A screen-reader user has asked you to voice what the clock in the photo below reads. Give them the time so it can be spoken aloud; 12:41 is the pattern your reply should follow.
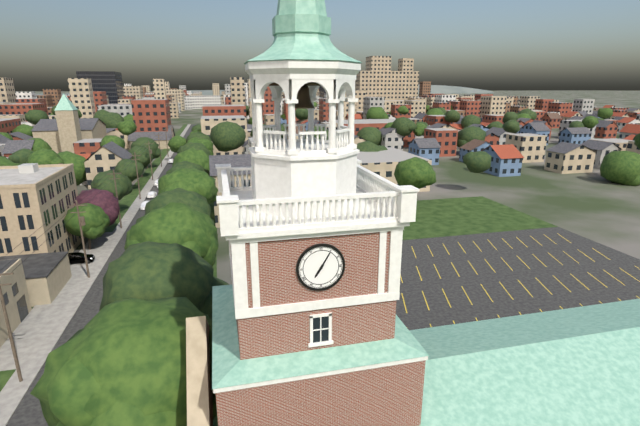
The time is 7:05
